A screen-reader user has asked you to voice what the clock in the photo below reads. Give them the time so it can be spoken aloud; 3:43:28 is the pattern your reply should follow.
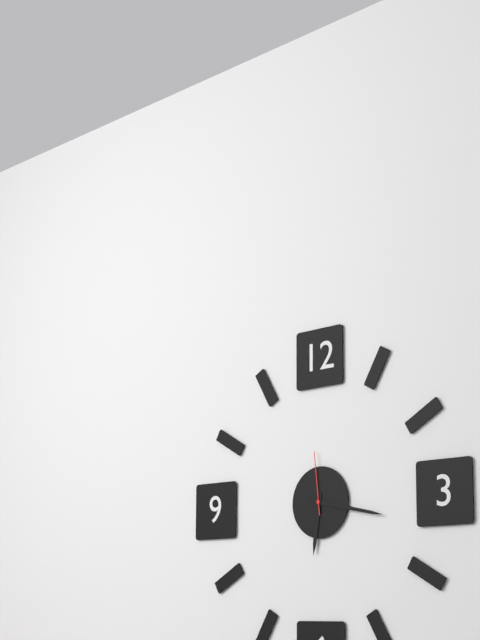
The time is 6:17:59
